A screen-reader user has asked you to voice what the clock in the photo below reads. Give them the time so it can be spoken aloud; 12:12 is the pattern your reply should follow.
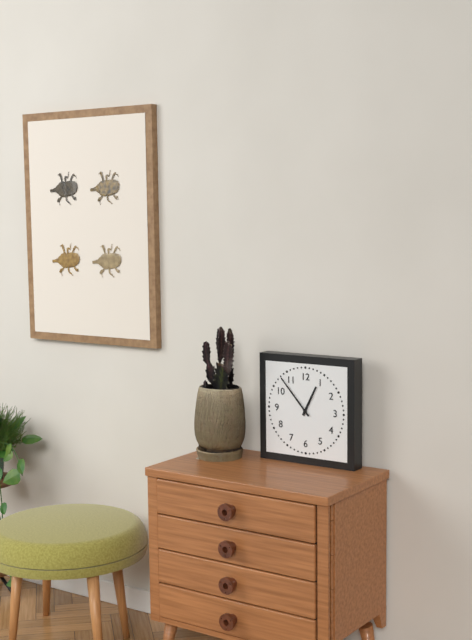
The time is 12:53
